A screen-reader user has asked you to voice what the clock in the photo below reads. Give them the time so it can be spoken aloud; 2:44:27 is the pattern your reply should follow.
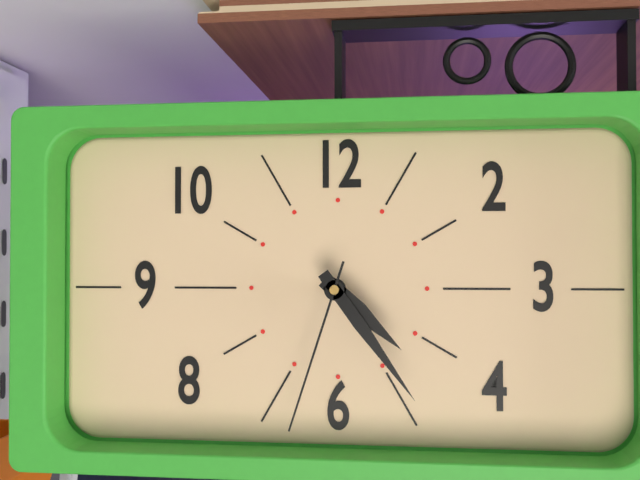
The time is 4:24:33
